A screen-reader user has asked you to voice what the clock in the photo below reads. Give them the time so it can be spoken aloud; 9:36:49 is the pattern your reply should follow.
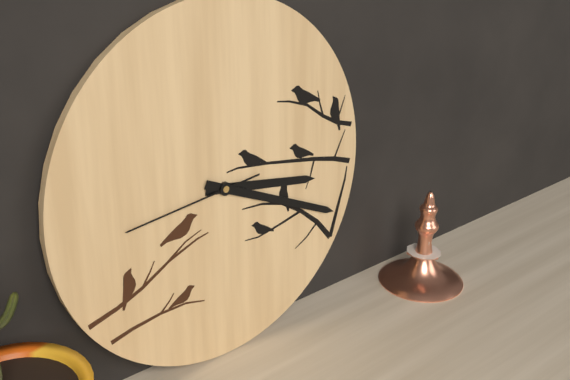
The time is 3:19:44
